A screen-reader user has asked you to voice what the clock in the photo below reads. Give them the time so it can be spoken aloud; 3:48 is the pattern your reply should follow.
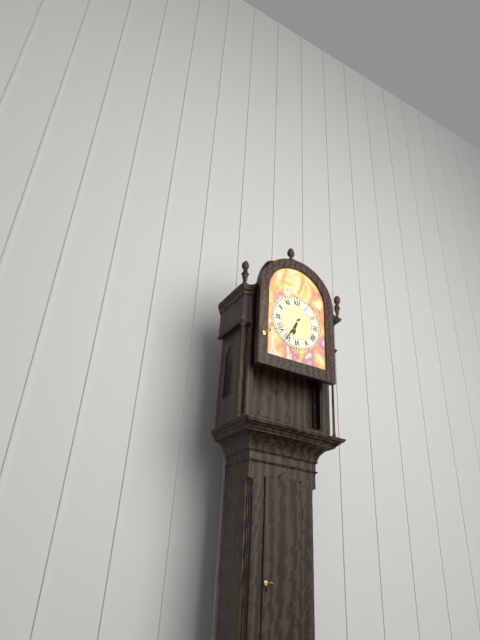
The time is 6:35
